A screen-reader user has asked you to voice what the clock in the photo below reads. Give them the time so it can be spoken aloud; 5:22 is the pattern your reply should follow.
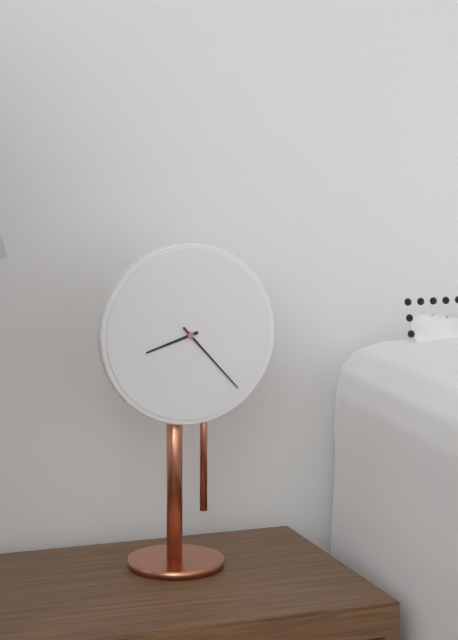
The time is 8:23
